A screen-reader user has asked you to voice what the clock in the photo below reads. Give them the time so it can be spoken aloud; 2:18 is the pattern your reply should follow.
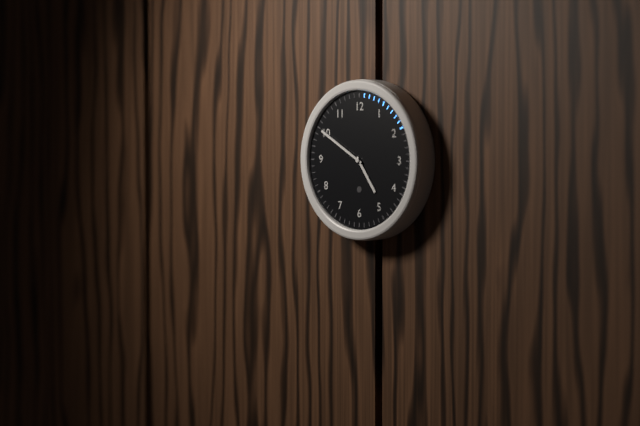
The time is 4:50
